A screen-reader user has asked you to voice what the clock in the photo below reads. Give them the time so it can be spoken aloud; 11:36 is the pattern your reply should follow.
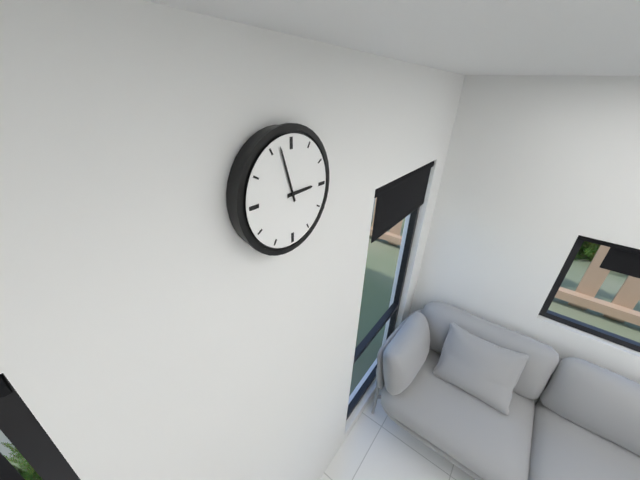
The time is 2:57
